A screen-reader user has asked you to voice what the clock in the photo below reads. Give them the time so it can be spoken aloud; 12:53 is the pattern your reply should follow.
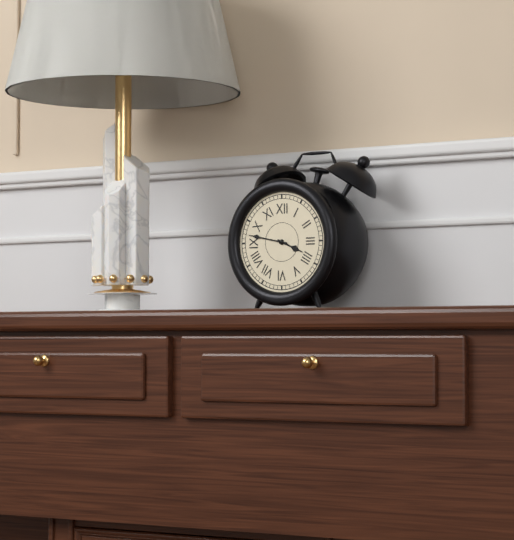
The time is 3:47
